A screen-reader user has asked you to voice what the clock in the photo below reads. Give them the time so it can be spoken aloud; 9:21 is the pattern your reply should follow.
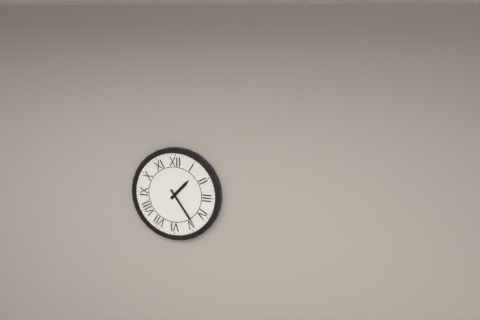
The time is 1:24
